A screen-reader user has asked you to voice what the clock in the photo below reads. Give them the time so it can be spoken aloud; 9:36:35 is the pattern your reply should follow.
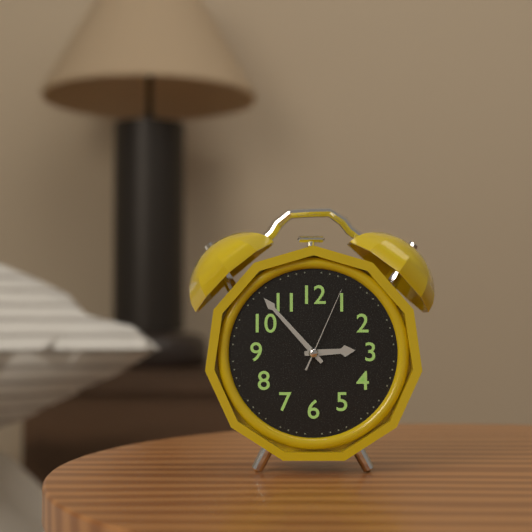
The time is 2:53:04
